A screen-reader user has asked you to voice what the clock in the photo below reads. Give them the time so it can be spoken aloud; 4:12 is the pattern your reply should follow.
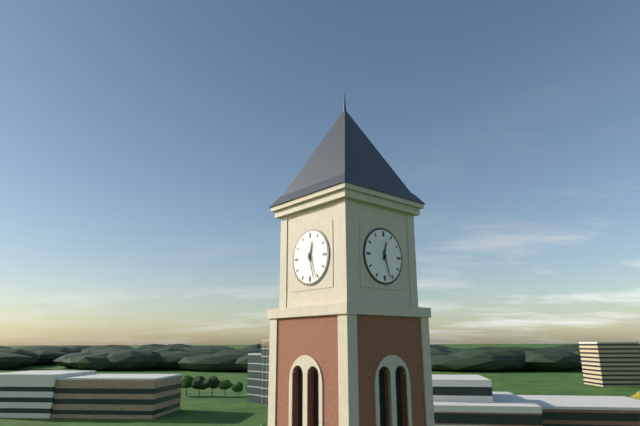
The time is 12:27
